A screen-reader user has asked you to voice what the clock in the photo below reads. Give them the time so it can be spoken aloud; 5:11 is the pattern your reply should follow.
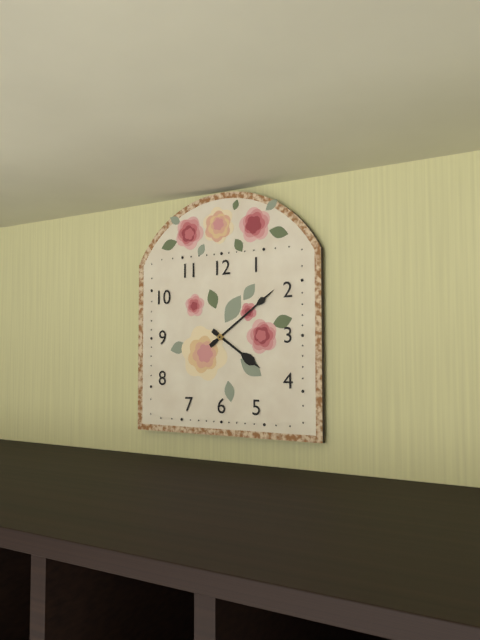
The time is 4:09
